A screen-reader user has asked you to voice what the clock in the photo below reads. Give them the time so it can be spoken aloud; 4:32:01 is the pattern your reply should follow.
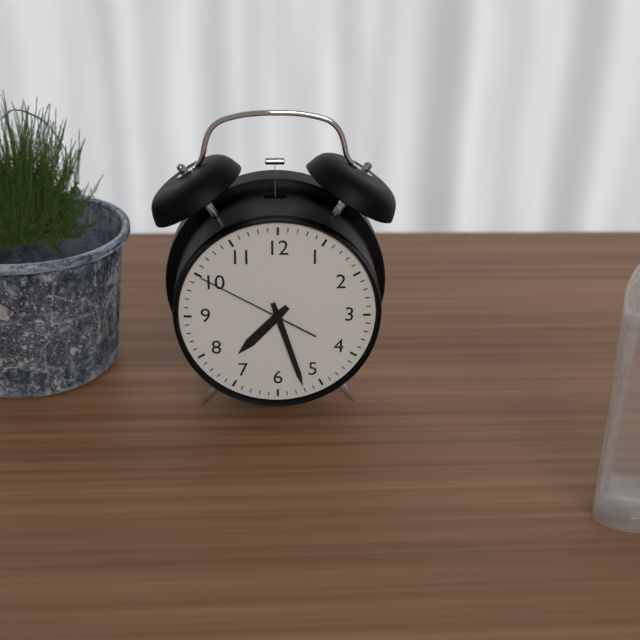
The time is 7:27:50
